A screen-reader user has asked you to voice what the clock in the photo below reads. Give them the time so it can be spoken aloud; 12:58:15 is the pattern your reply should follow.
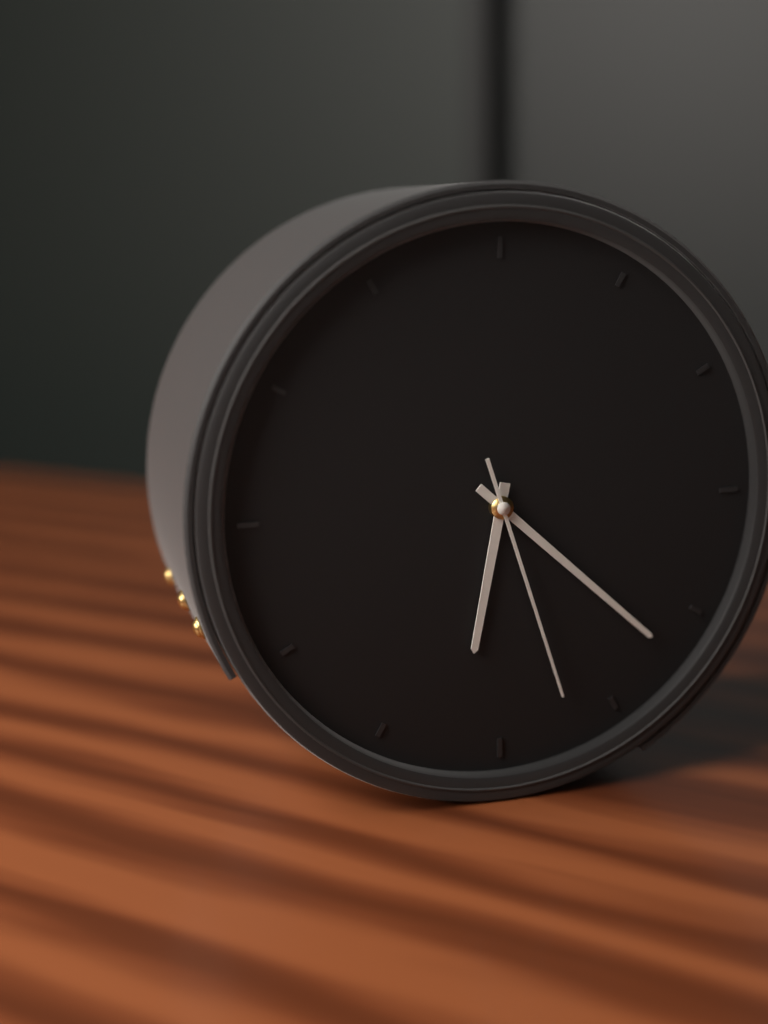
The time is 6:22:27
